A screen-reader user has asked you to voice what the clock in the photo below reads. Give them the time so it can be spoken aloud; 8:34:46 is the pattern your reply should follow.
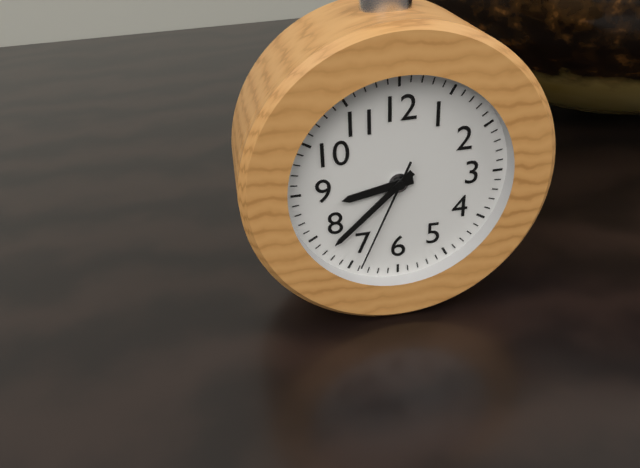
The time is 8:38:34
